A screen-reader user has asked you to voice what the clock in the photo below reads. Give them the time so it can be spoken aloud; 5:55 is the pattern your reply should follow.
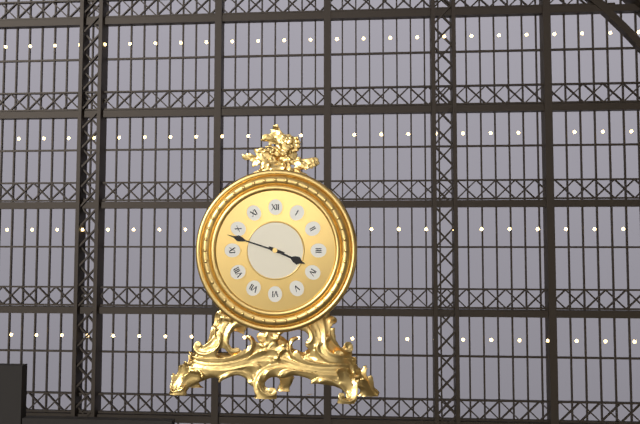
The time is 3:48
